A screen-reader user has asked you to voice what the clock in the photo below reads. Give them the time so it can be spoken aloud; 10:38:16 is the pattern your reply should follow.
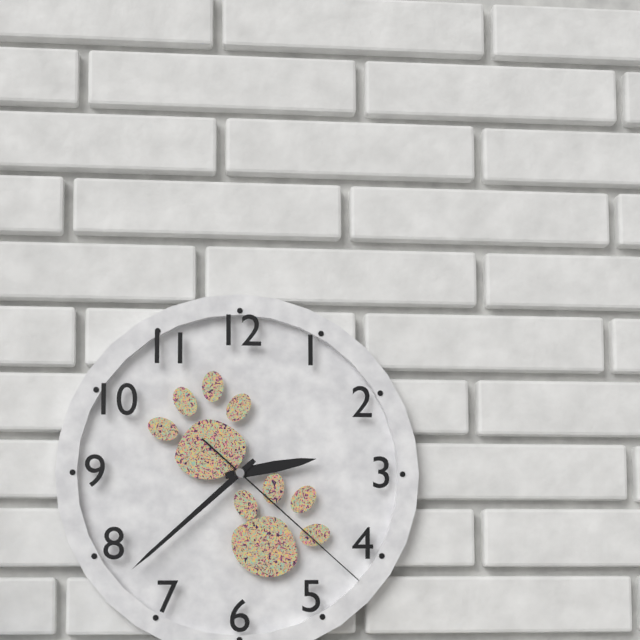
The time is 2:38:22
